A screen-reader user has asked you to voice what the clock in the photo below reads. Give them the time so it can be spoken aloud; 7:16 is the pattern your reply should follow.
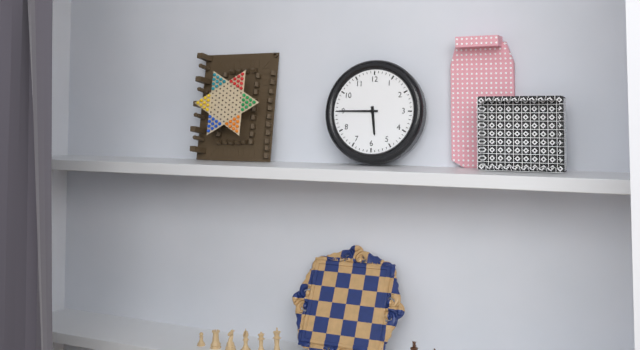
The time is 5:45
